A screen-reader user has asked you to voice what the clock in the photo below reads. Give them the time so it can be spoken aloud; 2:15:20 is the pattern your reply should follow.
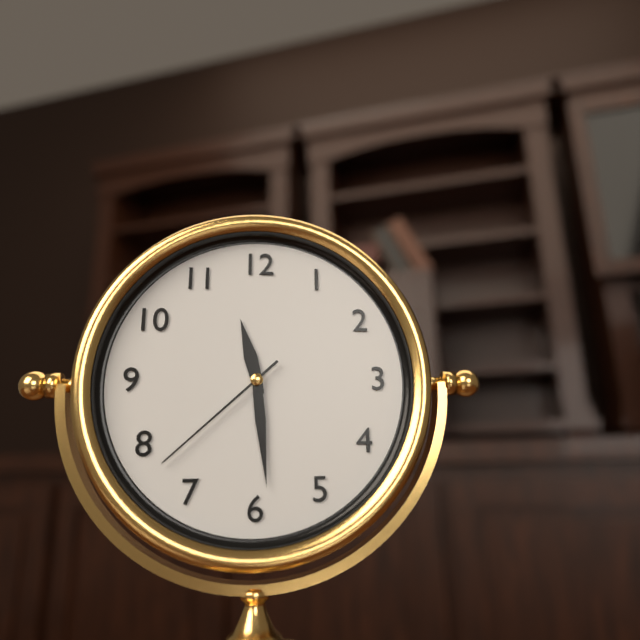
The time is 11:29:38
